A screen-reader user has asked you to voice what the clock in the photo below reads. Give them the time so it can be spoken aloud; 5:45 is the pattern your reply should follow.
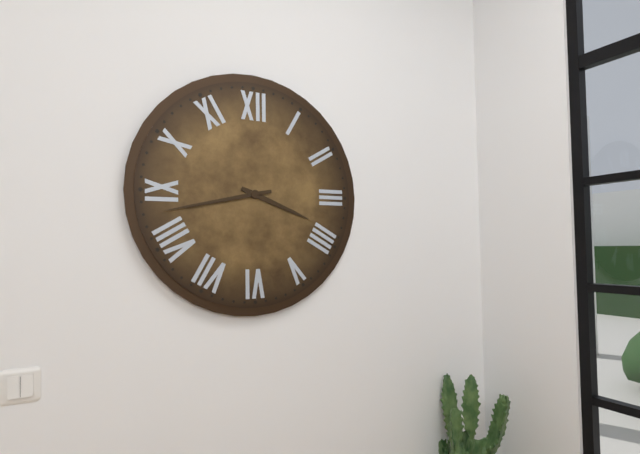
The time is 3:43
